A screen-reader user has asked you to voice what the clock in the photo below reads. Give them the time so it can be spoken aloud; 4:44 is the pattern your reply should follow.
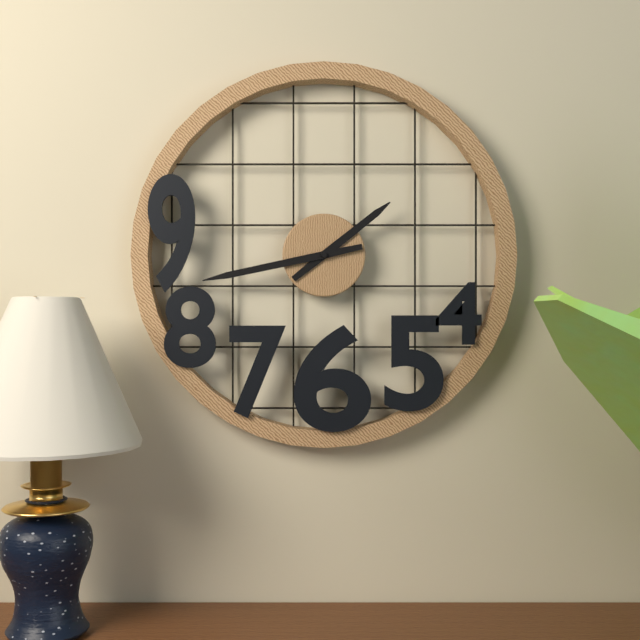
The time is 1:43
